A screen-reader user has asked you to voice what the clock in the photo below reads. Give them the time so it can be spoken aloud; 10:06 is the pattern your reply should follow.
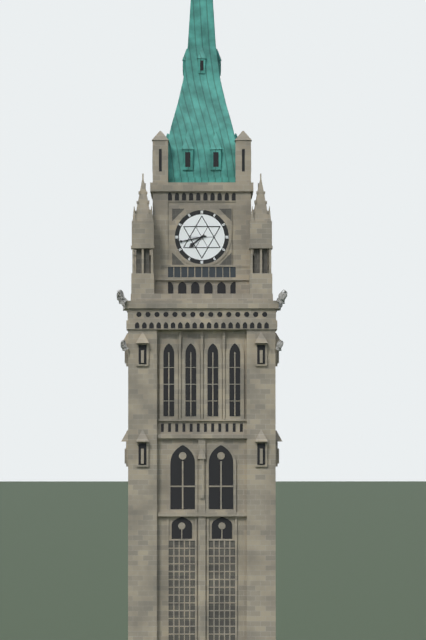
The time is 7:43
